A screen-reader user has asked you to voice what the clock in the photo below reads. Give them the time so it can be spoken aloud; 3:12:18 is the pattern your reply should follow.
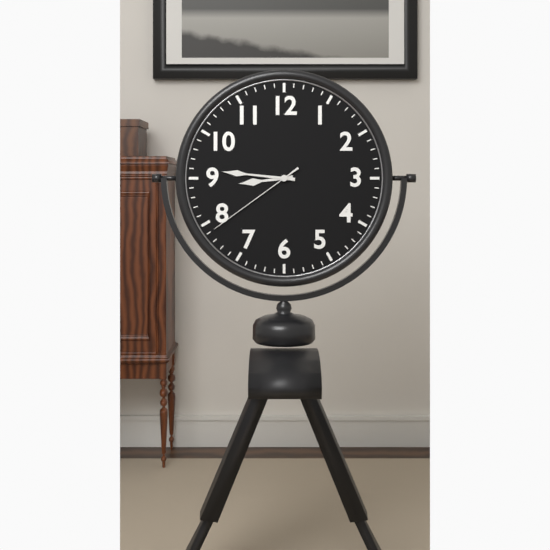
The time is 8:46:39
